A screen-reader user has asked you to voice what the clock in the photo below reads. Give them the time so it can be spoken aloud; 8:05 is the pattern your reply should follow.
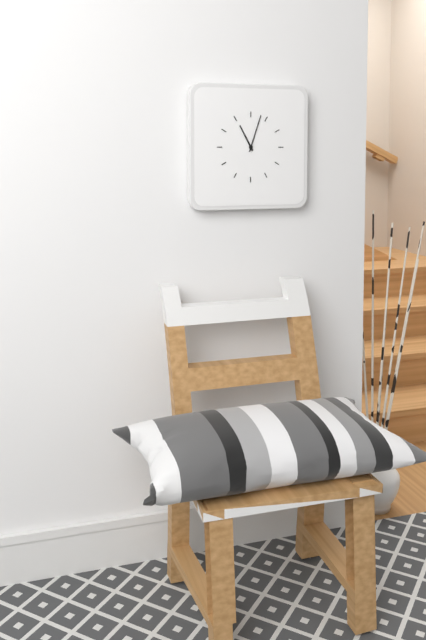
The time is 11:03
